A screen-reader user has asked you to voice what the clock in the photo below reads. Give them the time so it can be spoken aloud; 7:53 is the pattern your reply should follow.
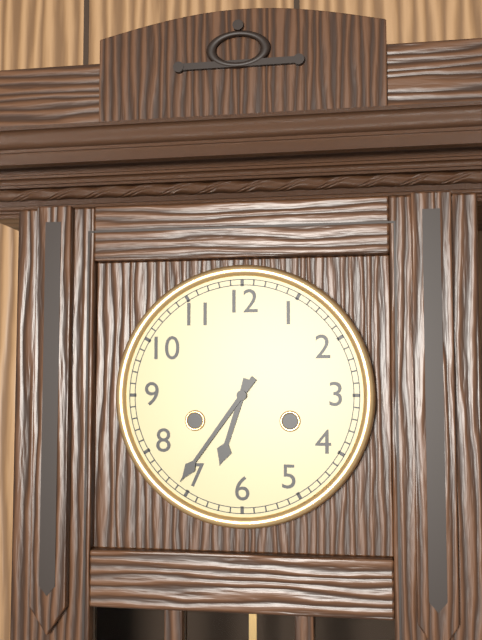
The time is 6:36
